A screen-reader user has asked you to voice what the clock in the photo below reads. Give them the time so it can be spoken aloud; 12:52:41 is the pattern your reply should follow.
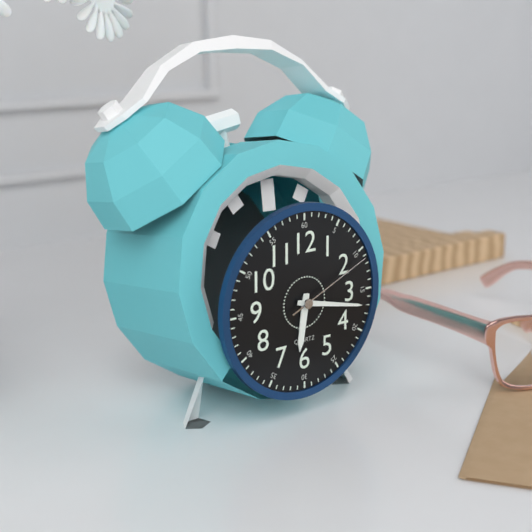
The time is 6:17:11
